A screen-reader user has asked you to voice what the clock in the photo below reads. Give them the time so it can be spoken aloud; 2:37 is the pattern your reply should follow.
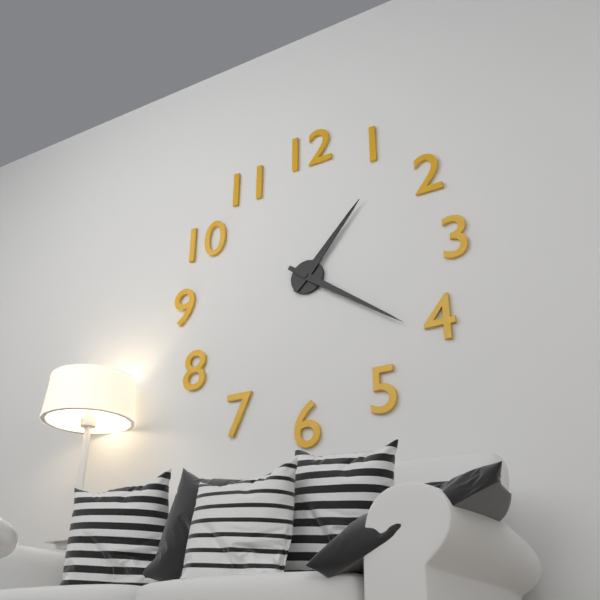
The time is 1:21
